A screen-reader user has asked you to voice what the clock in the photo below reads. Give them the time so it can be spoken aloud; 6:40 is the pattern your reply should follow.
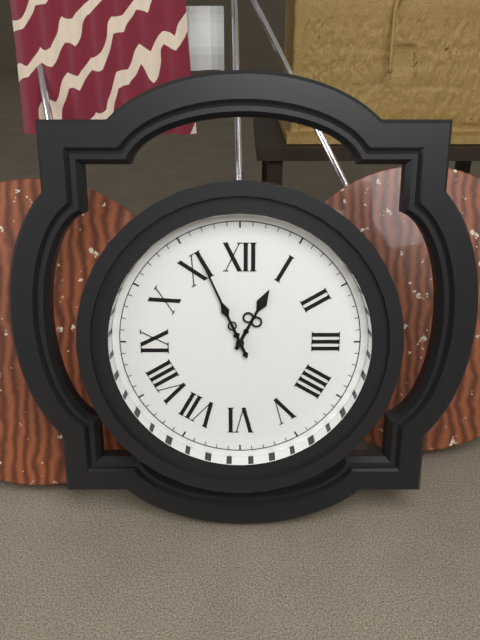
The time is 12:56
